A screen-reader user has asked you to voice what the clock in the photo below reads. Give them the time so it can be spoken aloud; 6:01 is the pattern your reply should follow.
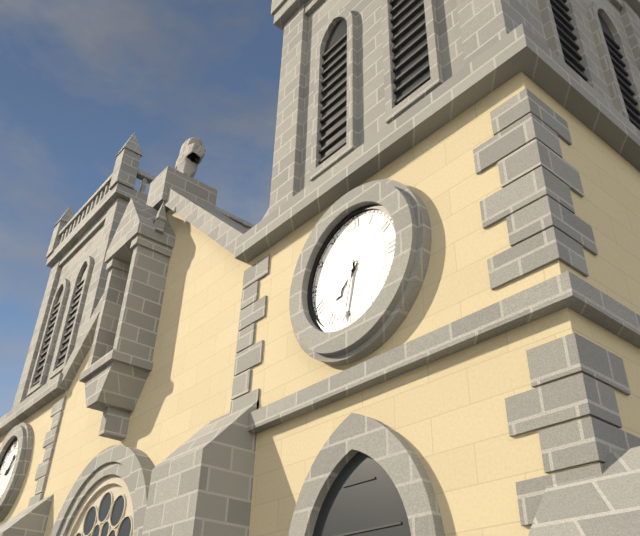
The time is 7:32
